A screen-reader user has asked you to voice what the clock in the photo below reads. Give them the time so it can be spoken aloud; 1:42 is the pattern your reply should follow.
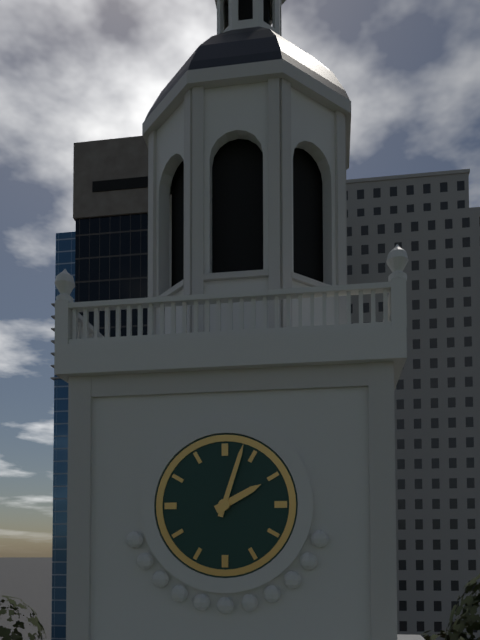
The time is 2:03
